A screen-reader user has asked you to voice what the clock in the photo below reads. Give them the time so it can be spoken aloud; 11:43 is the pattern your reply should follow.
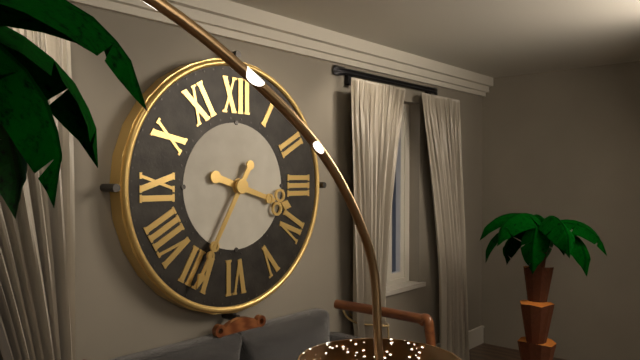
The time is 3:35
